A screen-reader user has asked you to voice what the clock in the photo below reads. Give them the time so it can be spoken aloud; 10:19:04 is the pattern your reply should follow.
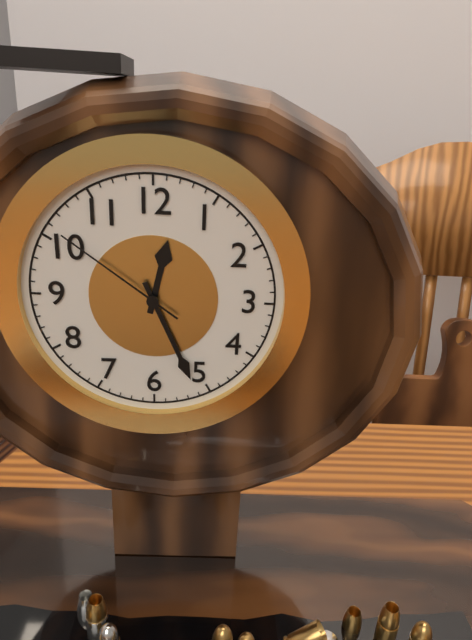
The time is 12:26:51
